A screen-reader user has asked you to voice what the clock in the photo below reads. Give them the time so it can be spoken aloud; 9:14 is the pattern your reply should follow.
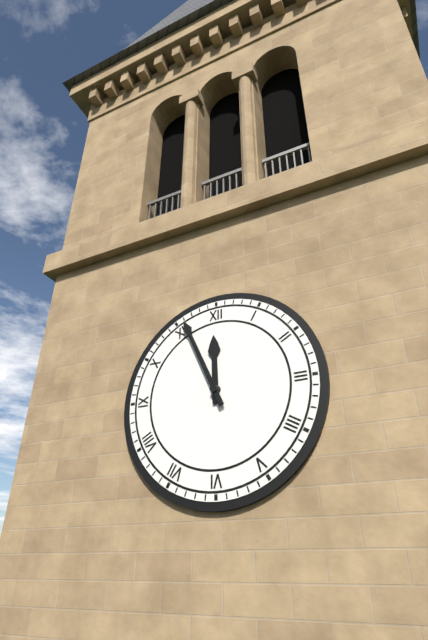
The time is 11:56
